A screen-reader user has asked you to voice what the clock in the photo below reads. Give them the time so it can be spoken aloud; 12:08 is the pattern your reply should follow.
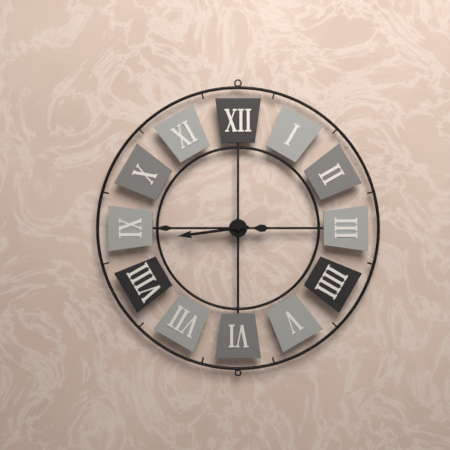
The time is 8:45
